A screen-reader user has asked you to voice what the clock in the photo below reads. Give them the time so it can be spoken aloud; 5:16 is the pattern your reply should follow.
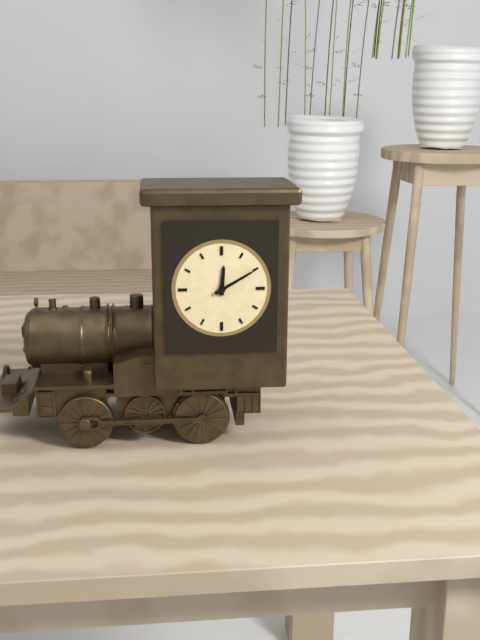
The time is 12:10
